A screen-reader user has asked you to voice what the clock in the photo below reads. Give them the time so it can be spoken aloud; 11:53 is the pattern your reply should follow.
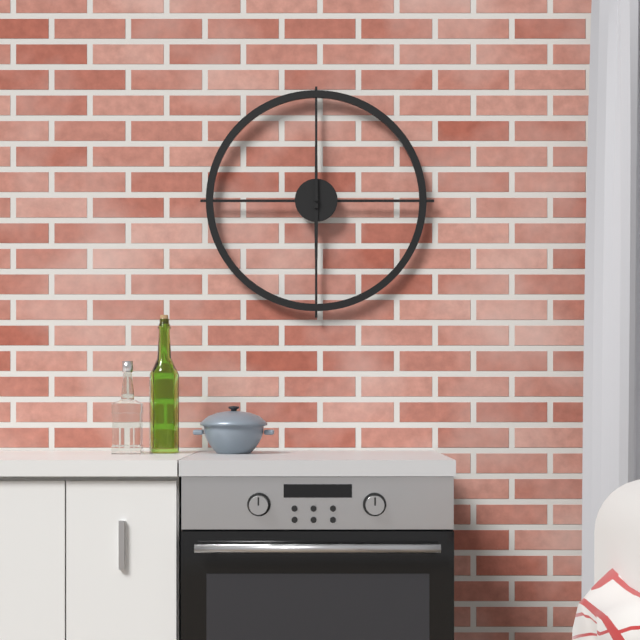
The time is 6:00
